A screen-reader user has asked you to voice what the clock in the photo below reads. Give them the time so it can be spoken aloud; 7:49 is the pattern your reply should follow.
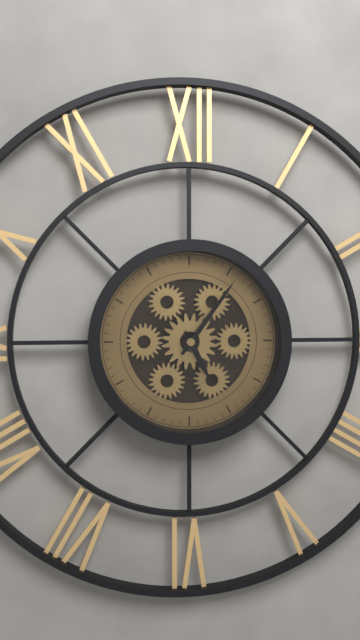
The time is 5:06
